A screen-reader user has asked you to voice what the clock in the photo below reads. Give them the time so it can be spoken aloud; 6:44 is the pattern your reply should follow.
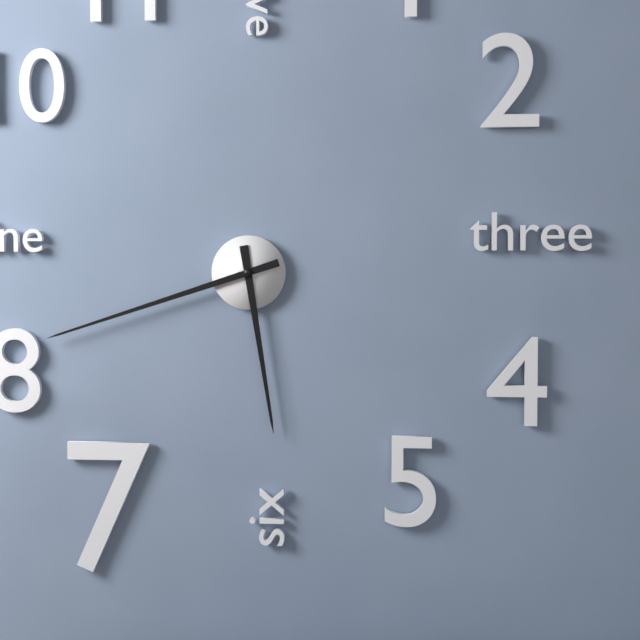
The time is 5:42
